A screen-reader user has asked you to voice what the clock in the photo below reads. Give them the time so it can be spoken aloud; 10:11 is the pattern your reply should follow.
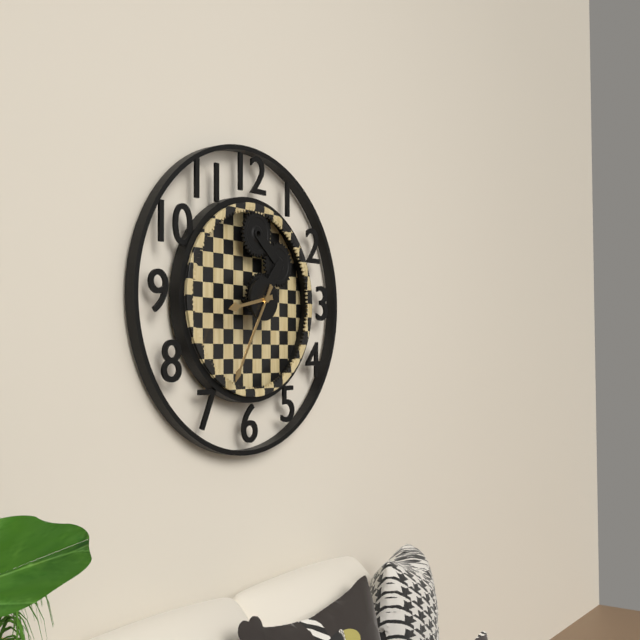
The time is 8:35
